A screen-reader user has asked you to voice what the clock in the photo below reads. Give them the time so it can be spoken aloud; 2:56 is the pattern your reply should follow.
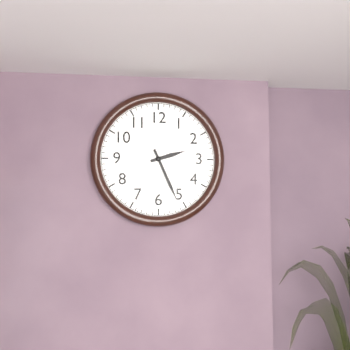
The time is 2:26
